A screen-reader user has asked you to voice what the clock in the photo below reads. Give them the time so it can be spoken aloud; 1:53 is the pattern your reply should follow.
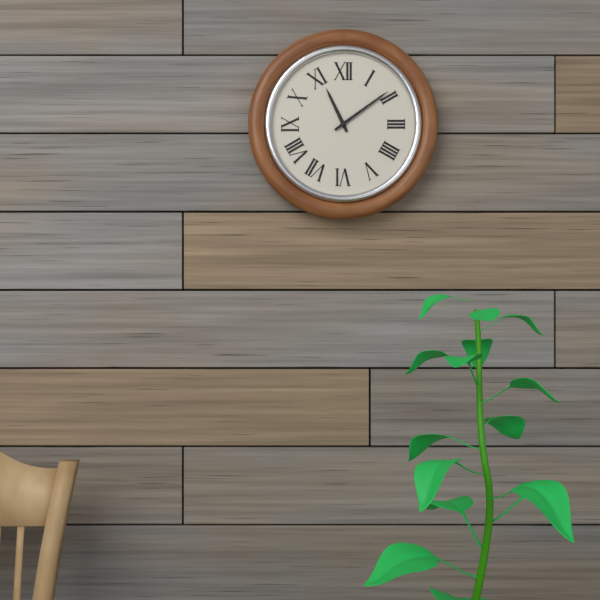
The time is 11:09
